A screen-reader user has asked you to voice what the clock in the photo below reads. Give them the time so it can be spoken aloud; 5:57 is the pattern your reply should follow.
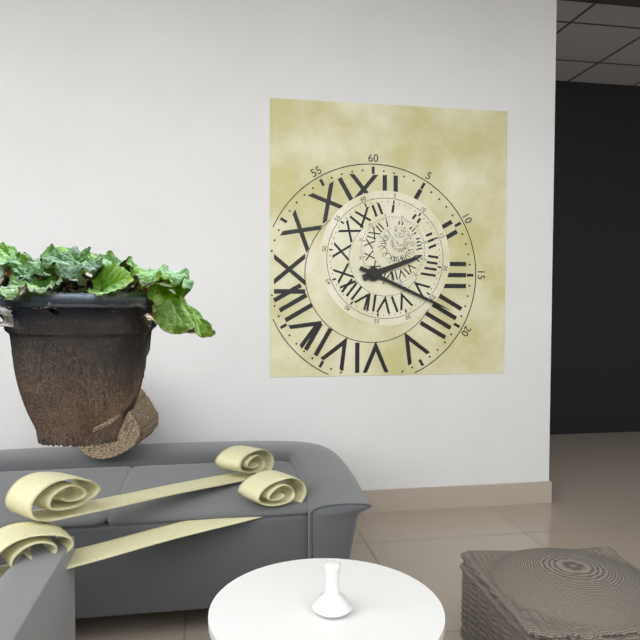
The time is 2:19
